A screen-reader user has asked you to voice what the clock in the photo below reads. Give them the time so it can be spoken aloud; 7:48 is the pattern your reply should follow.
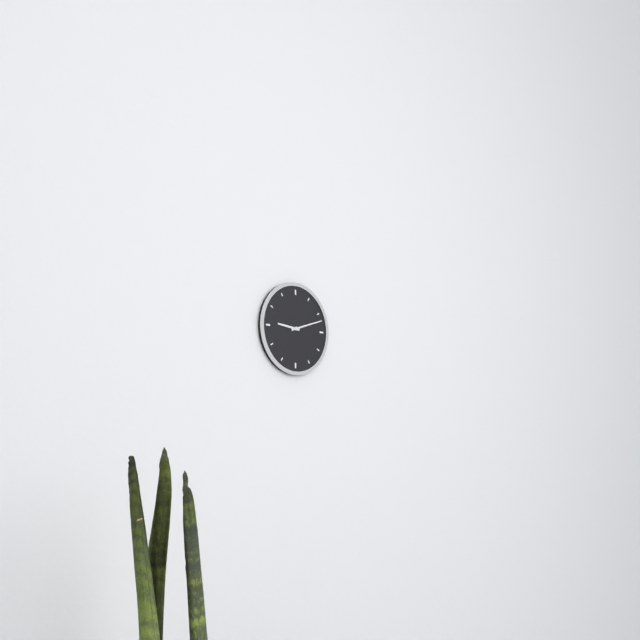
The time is 9:12
